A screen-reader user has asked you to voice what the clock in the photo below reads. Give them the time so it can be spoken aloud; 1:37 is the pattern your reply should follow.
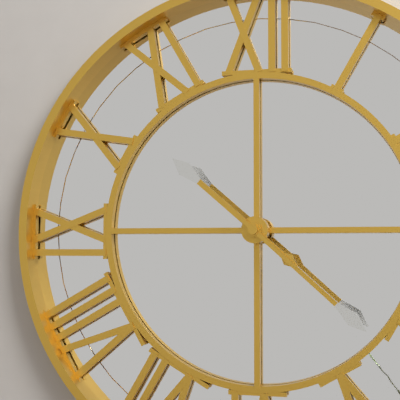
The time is 10:22
